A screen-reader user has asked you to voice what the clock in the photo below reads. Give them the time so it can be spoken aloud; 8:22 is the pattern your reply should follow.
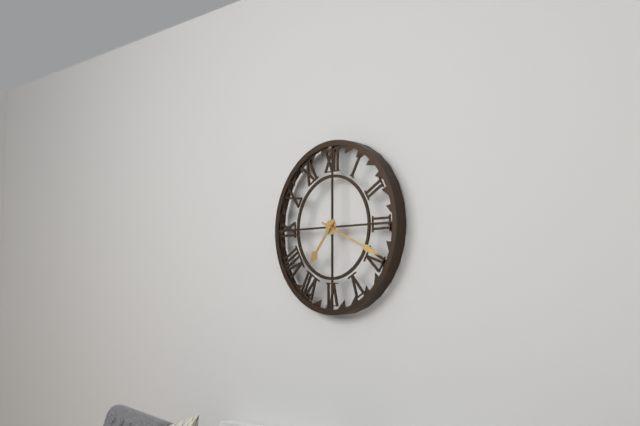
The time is 7:19
